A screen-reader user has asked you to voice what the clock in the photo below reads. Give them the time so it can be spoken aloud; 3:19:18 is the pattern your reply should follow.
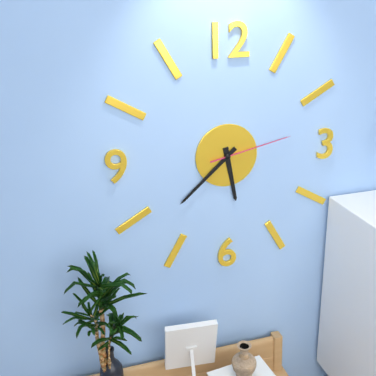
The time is 5:38:13
